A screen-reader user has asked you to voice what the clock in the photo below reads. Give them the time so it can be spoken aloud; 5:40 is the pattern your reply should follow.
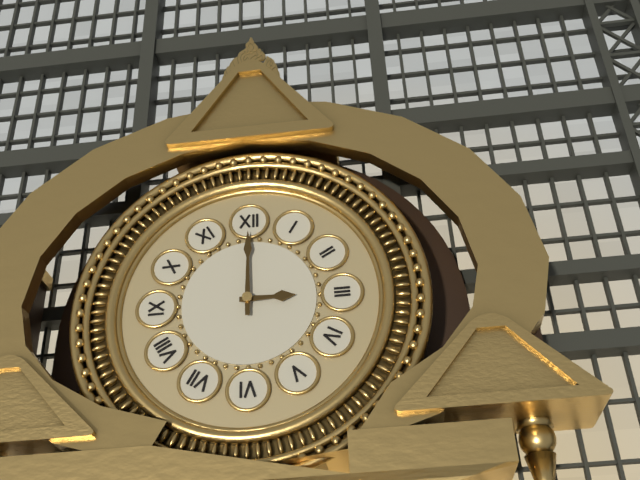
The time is 3:00
